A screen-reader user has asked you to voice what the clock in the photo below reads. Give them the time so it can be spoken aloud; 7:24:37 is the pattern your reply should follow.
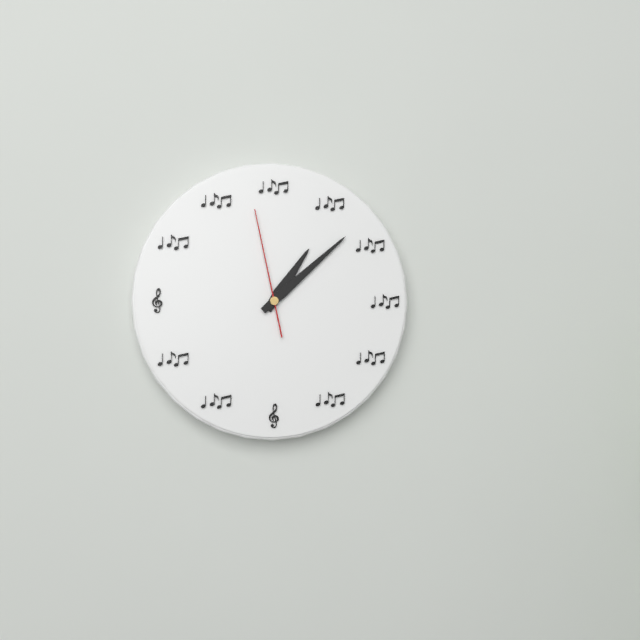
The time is 1:08:58
